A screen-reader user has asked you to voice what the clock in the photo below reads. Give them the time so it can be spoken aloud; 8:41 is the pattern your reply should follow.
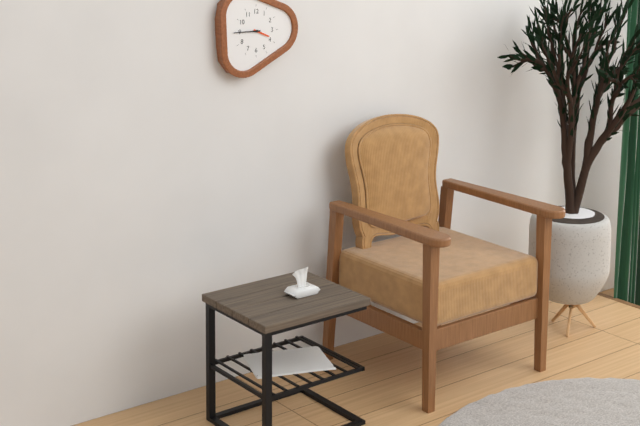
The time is 3:45
